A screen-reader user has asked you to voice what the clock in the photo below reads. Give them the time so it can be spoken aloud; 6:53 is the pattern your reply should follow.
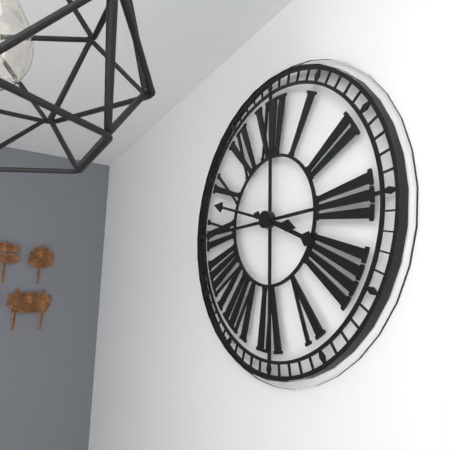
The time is 3:48
